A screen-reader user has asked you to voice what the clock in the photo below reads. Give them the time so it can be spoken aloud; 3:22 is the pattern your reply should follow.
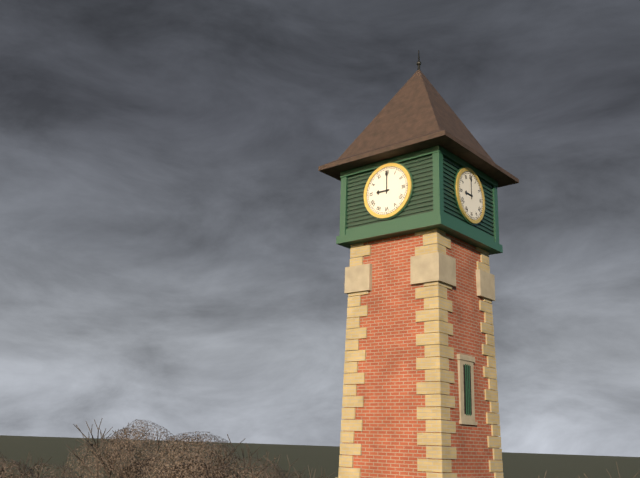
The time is 9:00
